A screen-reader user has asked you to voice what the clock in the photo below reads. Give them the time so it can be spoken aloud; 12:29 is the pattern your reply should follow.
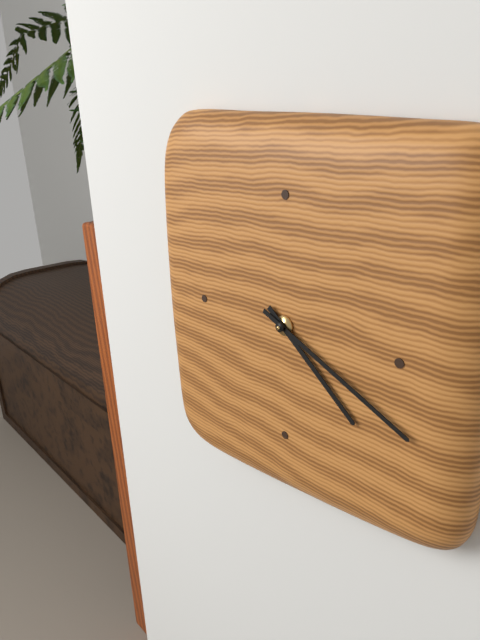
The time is 4:19
